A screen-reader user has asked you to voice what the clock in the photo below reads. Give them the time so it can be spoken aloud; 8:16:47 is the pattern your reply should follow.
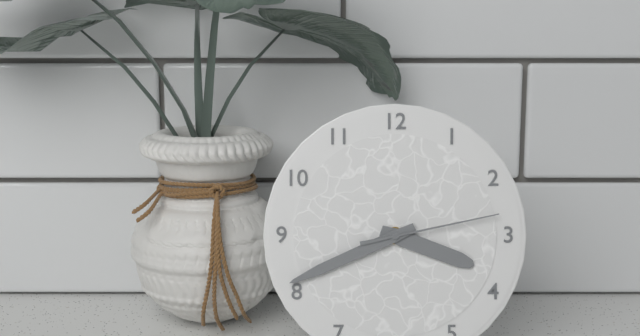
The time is 3:41:13
